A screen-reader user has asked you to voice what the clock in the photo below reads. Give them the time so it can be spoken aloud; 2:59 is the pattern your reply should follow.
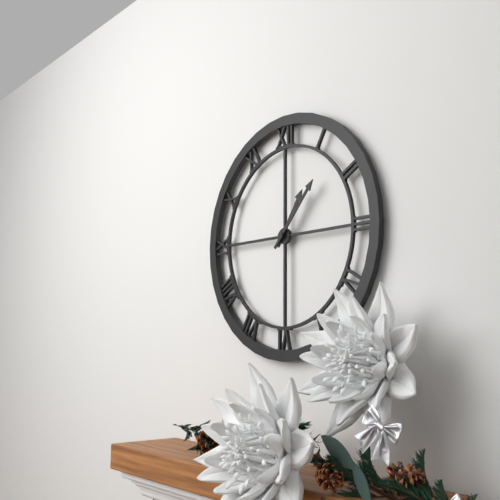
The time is 1:07
